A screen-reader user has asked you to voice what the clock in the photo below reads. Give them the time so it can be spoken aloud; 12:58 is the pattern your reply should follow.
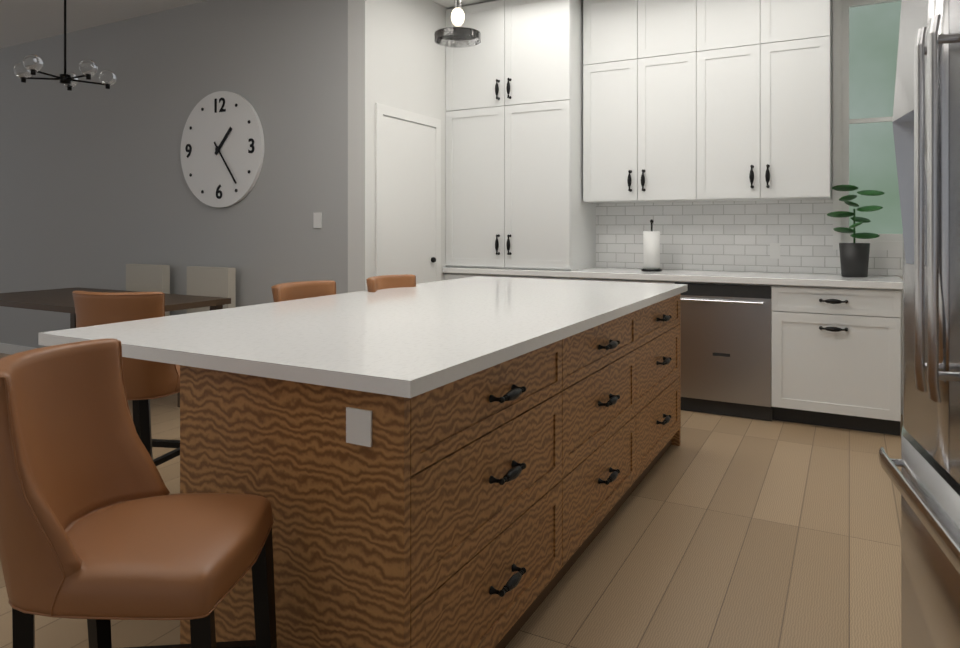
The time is 1:24
